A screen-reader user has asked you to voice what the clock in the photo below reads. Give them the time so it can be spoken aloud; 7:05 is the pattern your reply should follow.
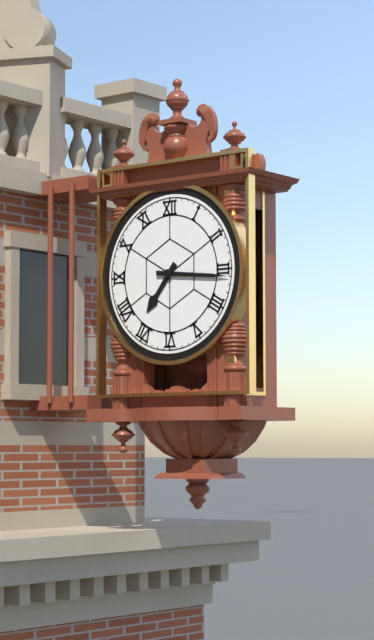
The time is 7:16
